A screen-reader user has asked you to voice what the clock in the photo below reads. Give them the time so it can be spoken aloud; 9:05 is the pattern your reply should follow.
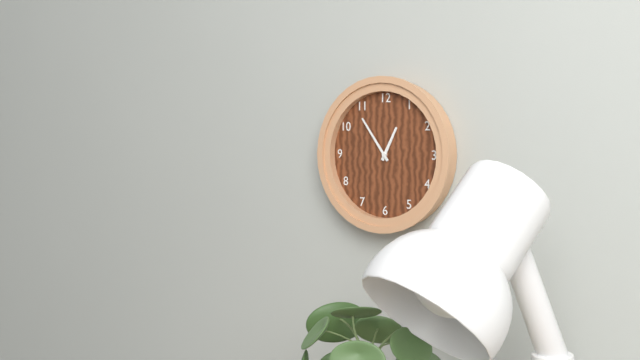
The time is 12:54
